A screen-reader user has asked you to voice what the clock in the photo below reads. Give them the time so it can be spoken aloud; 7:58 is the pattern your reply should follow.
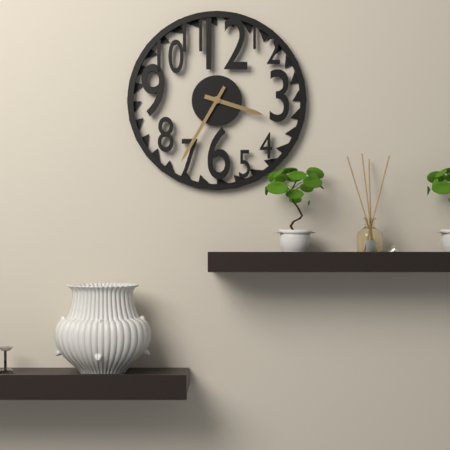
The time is 3:35
